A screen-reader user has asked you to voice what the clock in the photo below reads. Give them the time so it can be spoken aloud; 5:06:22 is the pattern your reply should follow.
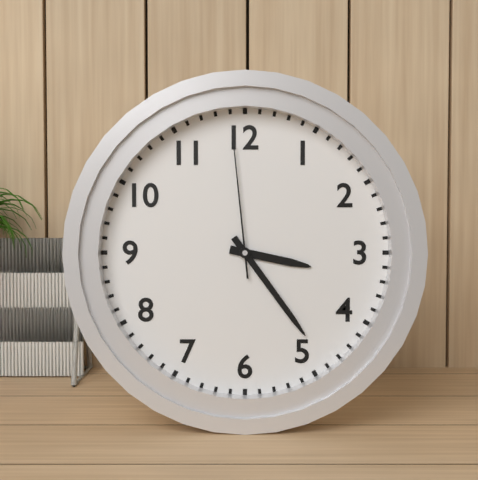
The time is 3:24:59
